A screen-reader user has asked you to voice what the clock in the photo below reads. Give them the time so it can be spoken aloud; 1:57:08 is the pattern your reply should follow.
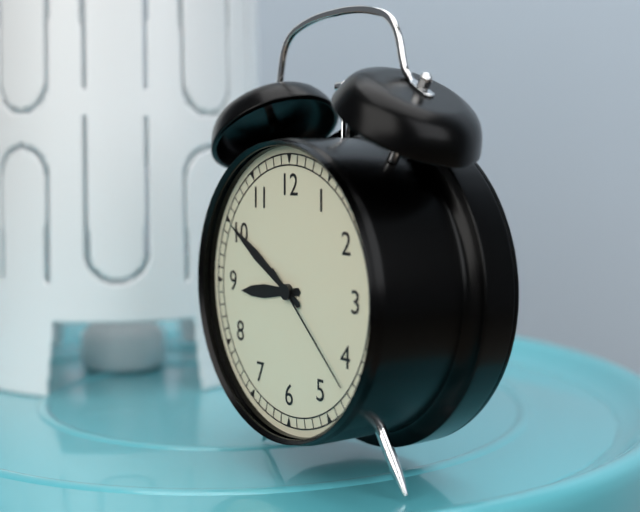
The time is 8:50:22
